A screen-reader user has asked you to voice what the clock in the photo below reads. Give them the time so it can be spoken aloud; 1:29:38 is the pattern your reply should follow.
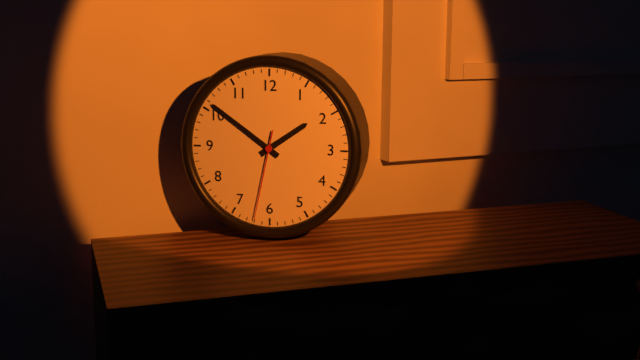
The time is 1:51:32
